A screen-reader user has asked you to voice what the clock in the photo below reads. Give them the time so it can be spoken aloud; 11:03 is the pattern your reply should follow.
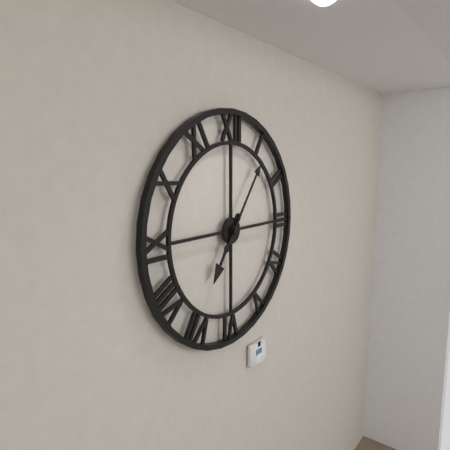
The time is 7:06
